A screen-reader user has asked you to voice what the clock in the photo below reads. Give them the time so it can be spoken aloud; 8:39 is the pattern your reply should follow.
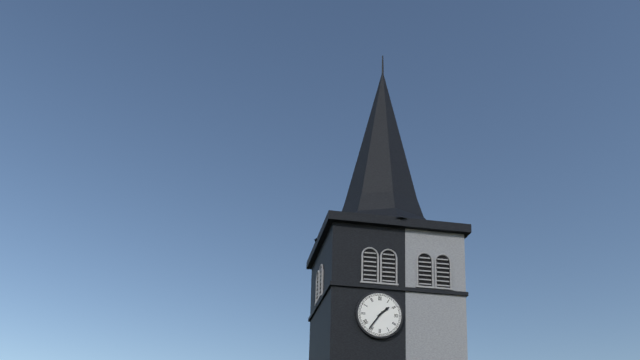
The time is 1:36
